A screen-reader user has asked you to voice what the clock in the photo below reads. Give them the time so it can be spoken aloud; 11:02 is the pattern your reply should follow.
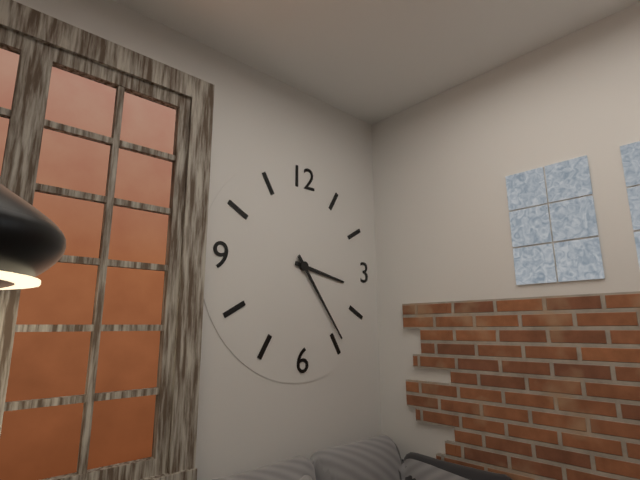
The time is 3:24
